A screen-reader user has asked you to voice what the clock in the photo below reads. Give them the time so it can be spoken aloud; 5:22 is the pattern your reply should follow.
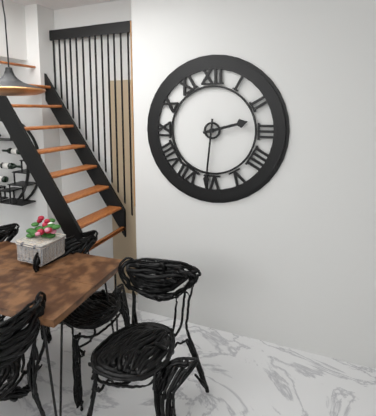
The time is 2:31
